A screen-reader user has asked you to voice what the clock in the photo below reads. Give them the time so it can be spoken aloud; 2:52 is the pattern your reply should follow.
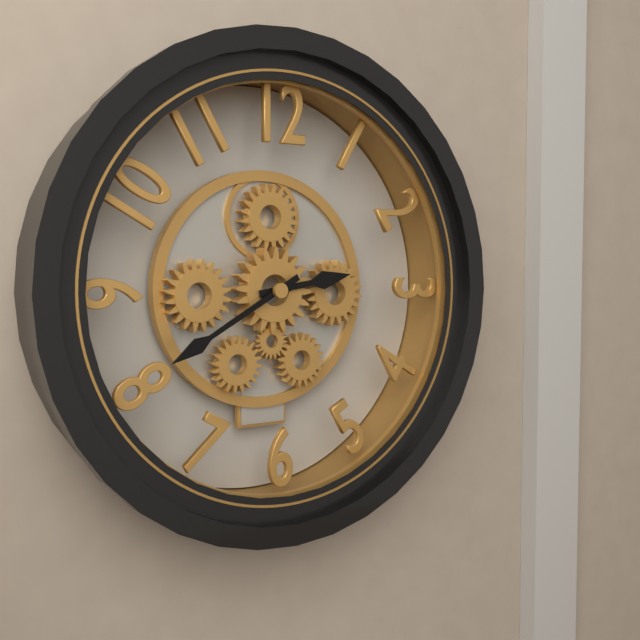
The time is 2:40
